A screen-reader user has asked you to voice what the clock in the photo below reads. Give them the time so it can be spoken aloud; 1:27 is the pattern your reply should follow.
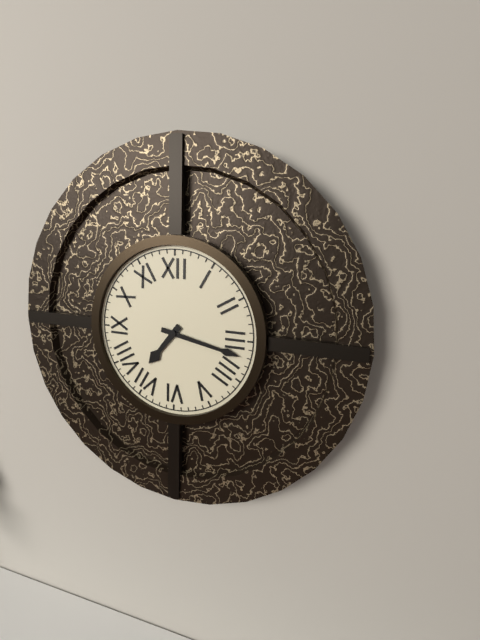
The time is 7:17
